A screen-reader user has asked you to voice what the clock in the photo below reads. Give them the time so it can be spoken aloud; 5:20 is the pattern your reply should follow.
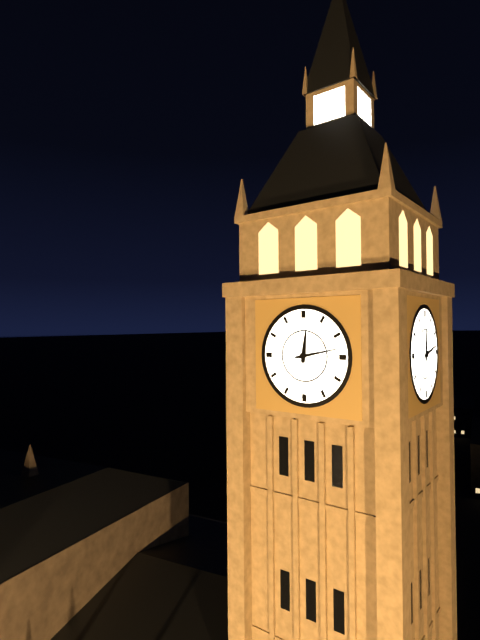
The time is 12:13
